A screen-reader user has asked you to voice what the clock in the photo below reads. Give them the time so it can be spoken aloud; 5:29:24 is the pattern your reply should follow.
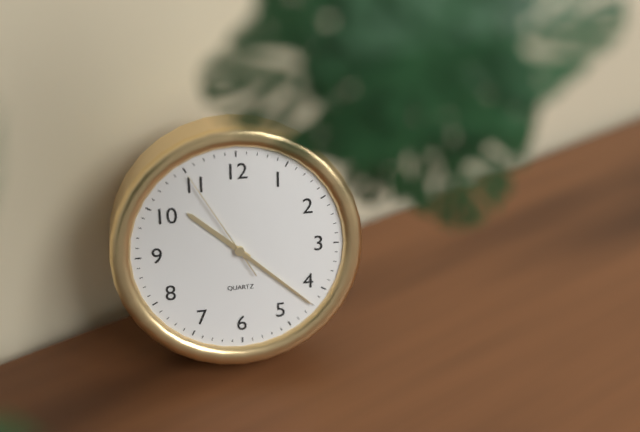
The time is 10:22:55
